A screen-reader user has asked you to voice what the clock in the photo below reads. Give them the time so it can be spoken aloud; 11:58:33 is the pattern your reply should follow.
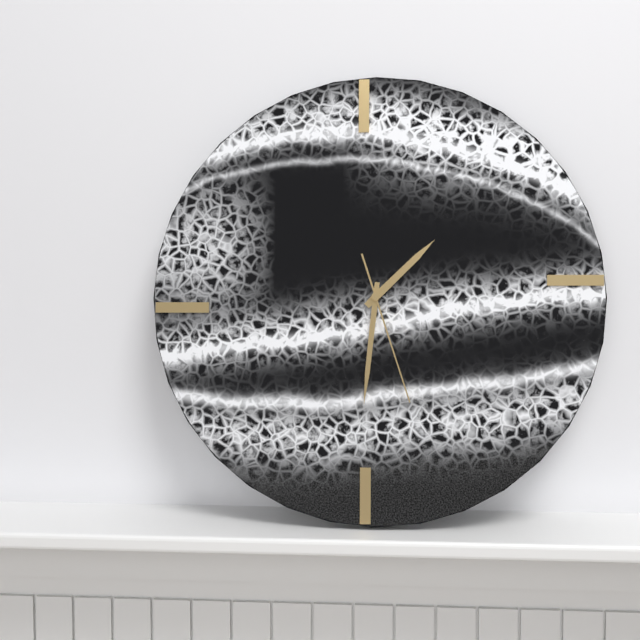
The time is 1:31:27
